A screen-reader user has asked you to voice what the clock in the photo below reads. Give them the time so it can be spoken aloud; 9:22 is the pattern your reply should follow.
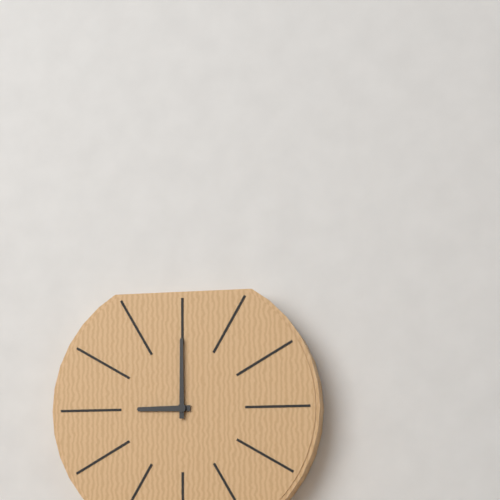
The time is 9:00
